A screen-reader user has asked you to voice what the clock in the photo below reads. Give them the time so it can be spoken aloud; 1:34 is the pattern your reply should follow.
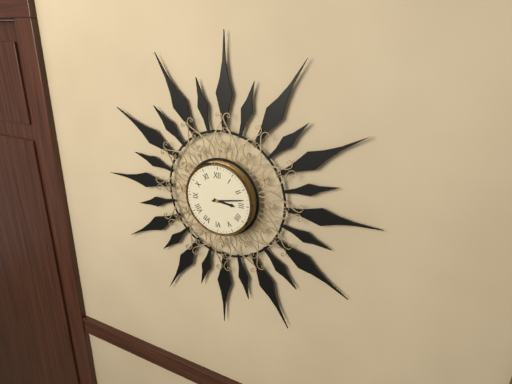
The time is 3:13
